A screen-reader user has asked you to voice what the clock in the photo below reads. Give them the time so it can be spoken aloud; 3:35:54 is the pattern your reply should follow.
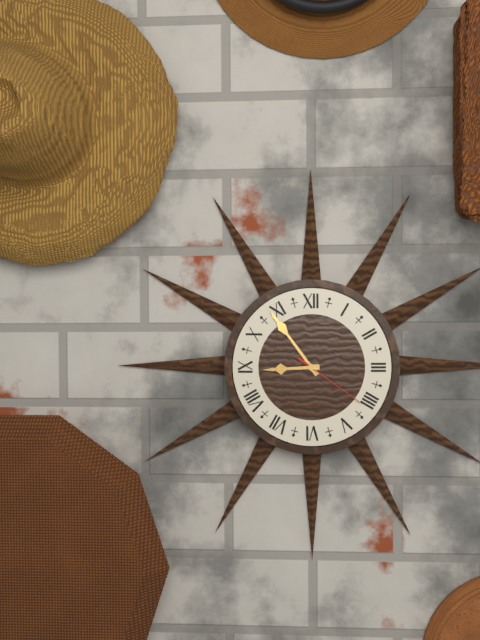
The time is 8:54:21
